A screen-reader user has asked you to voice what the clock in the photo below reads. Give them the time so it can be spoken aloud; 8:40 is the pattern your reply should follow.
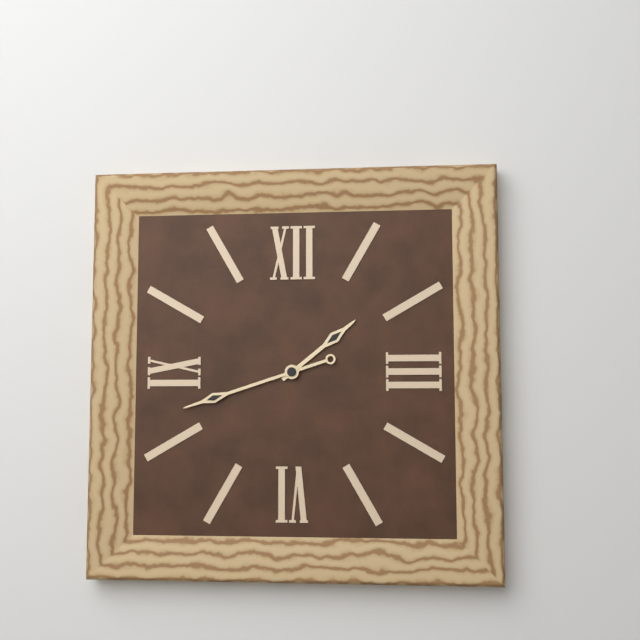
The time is 1:42
